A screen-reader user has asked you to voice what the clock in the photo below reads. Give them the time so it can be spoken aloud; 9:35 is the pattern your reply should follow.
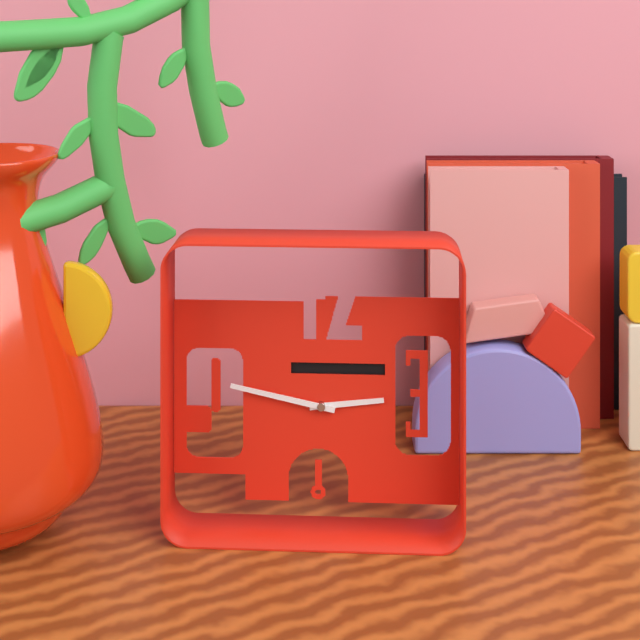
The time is 2:47
